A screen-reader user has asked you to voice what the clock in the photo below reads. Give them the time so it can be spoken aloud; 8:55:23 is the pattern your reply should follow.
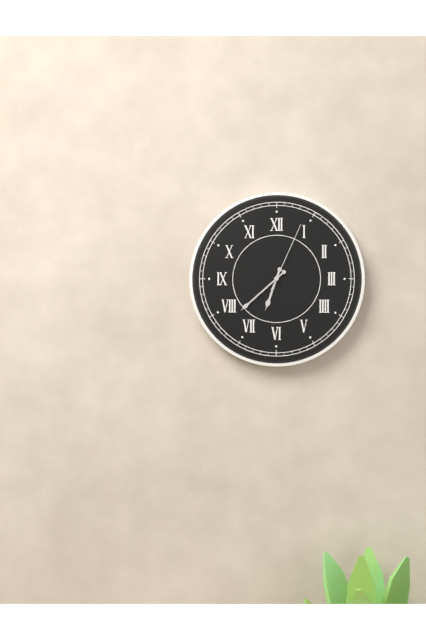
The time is 6:38:04
